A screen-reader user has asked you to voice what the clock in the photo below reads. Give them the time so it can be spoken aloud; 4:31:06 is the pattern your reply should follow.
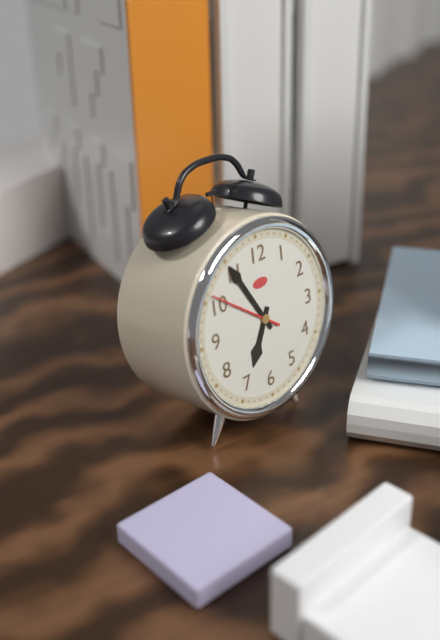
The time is 6:55:51
